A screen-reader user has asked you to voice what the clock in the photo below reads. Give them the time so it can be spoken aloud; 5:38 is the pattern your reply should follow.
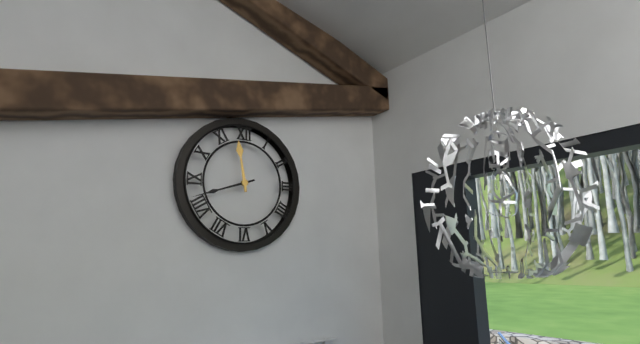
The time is 11:42
